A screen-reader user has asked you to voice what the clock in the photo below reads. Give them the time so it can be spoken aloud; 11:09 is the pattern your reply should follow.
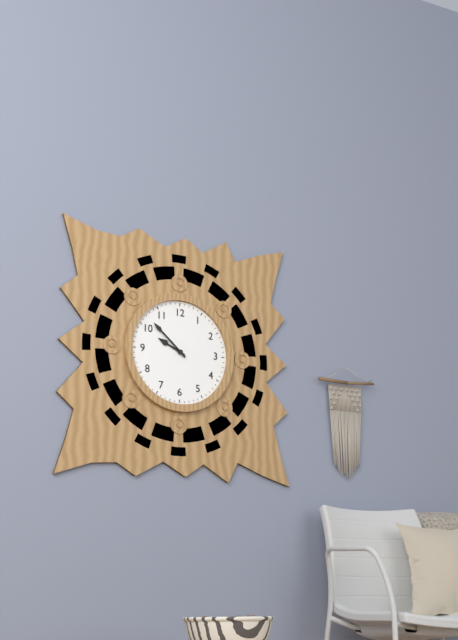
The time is 9:52
